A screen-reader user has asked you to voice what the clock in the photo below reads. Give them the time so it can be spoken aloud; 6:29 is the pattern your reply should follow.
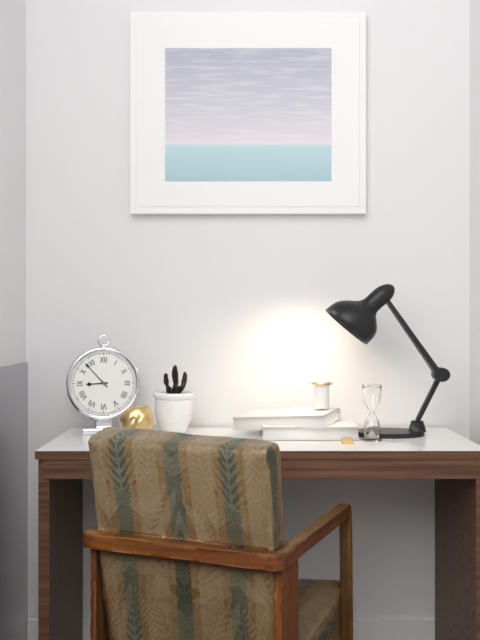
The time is 8:53
